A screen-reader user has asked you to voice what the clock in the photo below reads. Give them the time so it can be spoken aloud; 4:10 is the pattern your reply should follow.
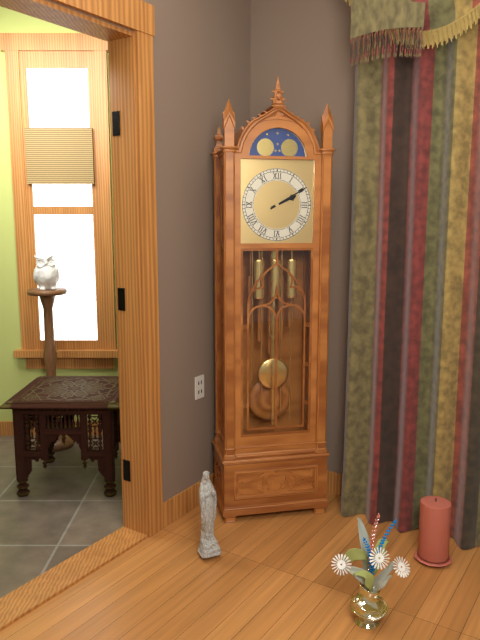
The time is 2:10
